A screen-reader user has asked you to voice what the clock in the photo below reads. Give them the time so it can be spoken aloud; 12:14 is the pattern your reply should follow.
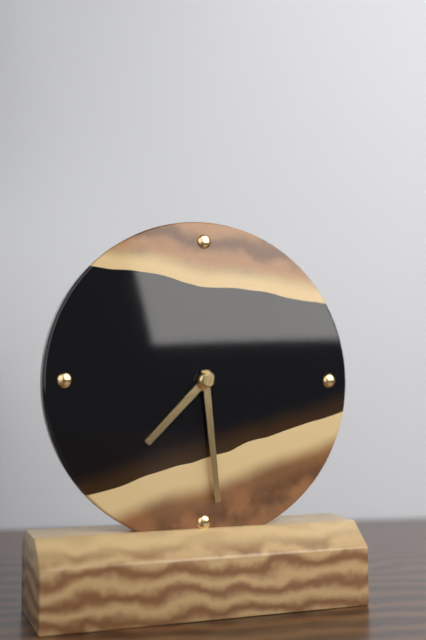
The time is 7:29
